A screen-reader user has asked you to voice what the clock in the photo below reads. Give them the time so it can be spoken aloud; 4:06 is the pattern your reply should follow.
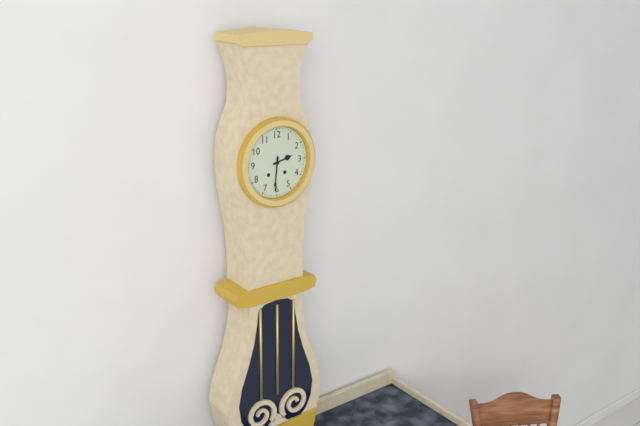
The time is 2:31
